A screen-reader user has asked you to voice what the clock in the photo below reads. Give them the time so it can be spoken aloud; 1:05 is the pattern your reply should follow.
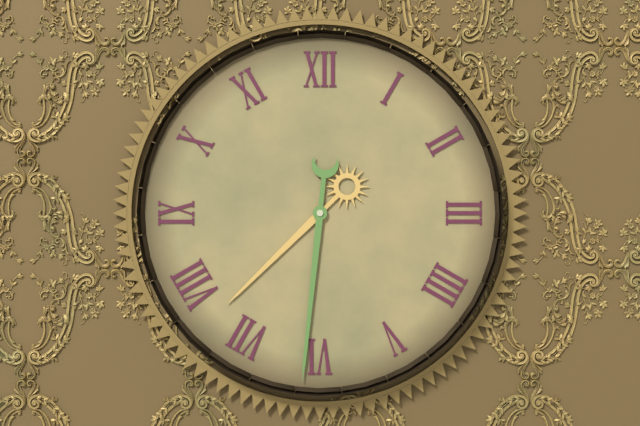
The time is 7:31
